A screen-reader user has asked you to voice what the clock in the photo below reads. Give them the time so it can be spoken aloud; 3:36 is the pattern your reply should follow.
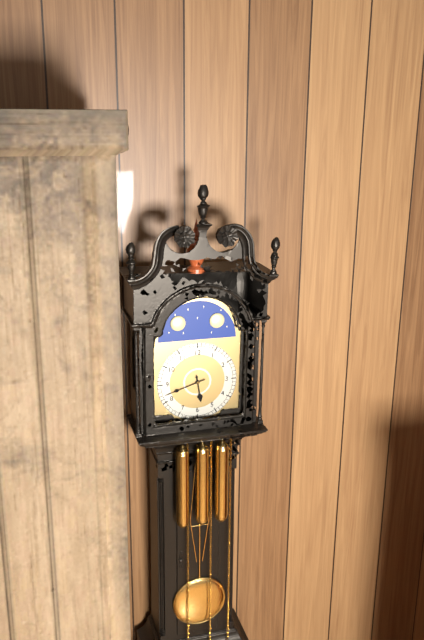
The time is 5:42
